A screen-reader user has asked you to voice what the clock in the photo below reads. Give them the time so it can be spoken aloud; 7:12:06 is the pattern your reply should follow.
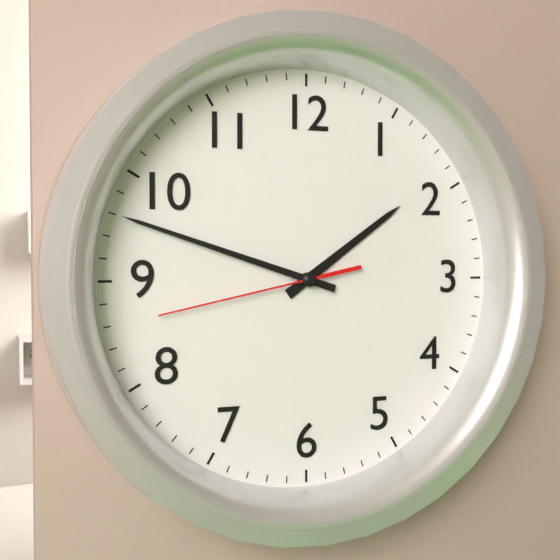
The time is 1:48:43
